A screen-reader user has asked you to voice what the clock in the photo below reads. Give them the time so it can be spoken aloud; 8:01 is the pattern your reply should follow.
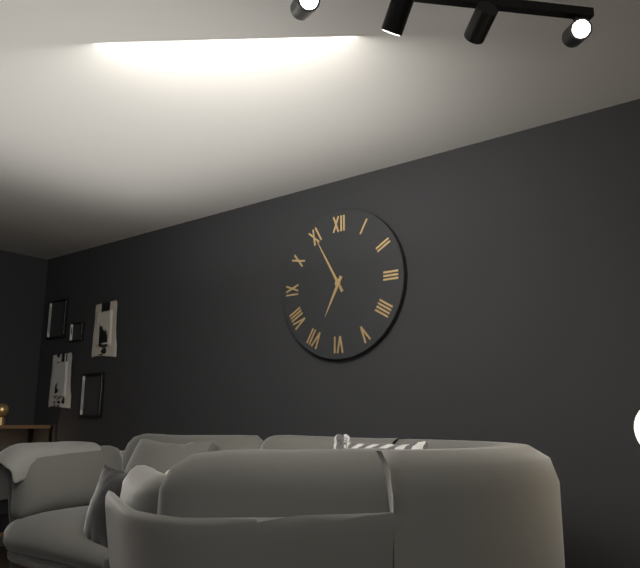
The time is 6:55
